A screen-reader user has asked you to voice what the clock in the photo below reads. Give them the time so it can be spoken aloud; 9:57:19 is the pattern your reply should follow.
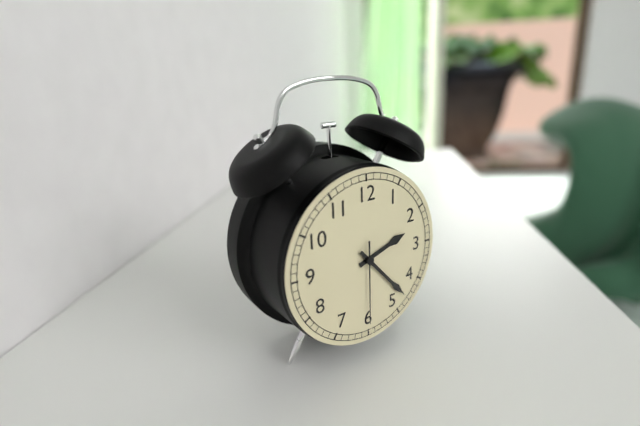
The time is 2:23:30
